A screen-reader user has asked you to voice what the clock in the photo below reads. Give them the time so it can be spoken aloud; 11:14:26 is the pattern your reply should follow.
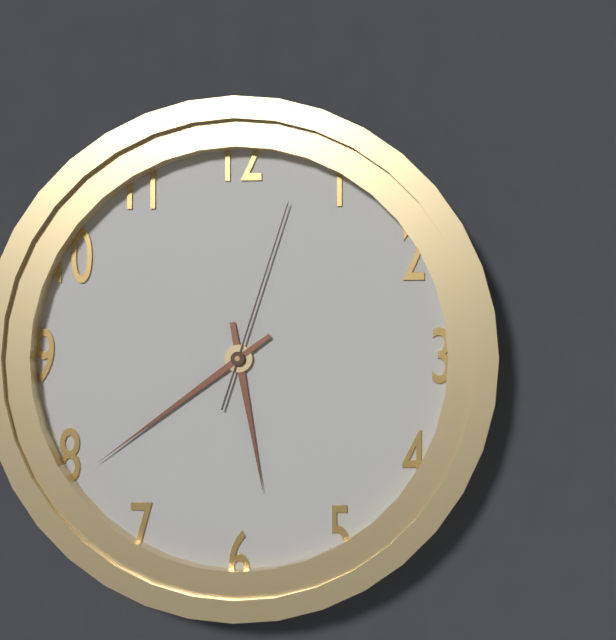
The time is 5:39:03
